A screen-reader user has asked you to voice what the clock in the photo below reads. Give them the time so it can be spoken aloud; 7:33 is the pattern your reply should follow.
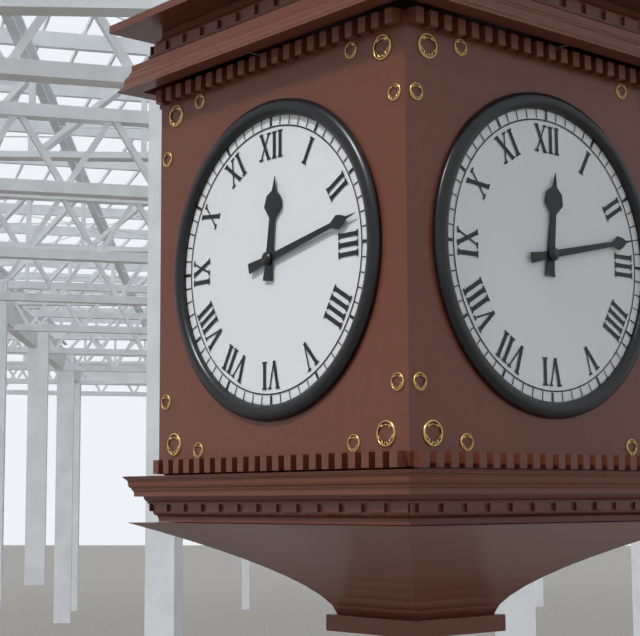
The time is 12:13
